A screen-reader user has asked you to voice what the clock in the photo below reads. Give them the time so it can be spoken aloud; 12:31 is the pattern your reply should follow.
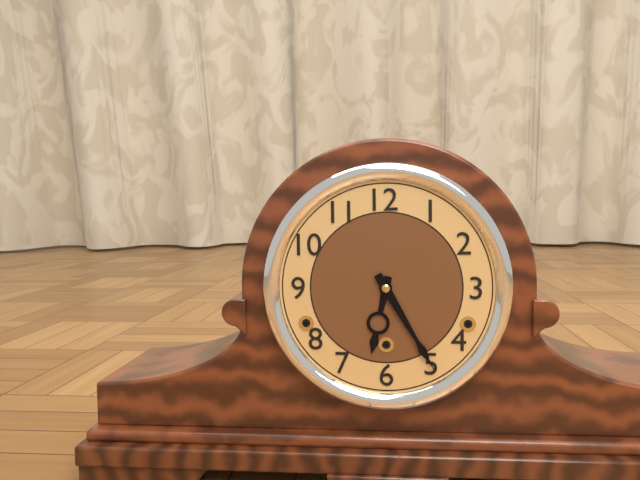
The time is 6:25
